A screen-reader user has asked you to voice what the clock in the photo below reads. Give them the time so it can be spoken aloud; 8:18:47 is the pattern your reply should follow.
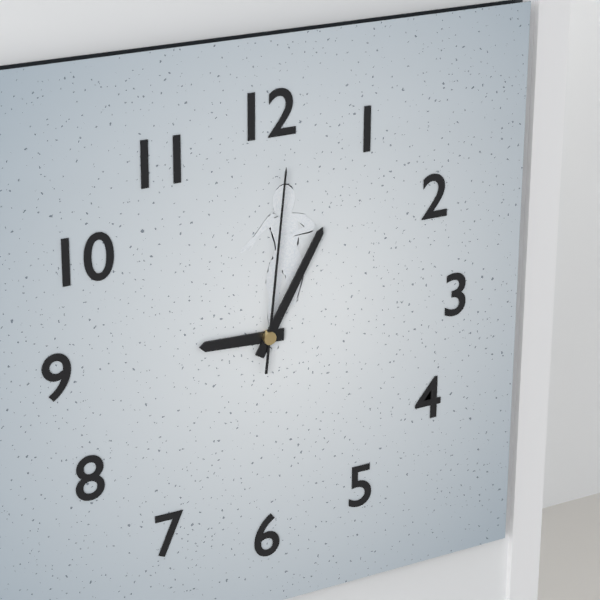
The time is 9:05:01
